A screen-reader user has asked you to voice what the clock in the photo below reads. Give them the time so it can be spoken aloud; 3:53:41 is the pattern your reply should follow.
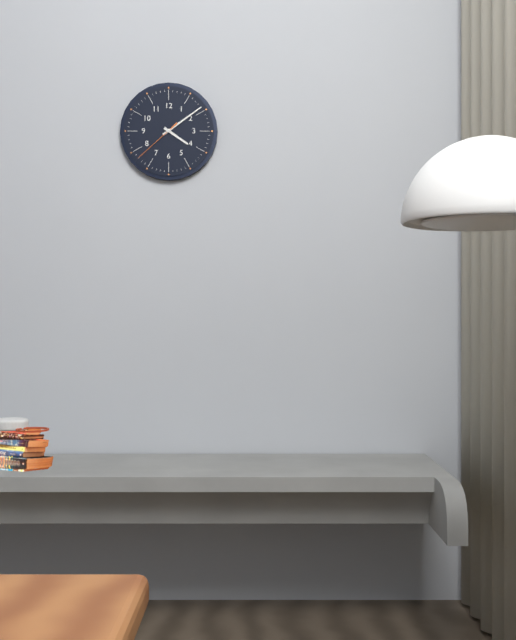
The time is 4:09:38
